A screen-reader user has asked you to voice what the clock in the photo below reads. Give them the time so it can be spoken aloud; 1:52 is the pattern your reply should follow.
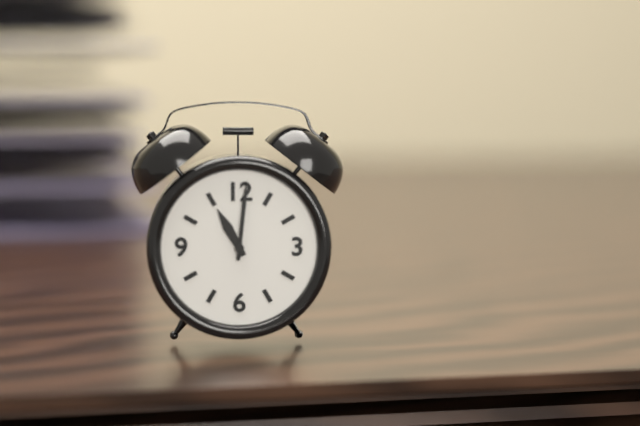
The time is 11:01
